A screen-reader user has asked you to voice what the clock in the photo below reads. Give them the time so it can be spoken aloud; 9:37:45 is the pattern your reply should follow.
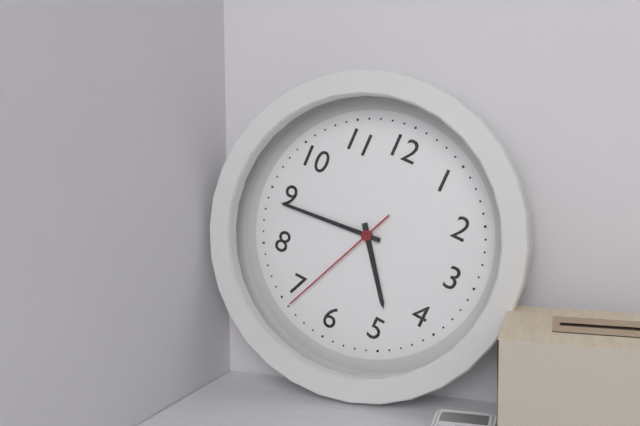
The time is 4:44:34
